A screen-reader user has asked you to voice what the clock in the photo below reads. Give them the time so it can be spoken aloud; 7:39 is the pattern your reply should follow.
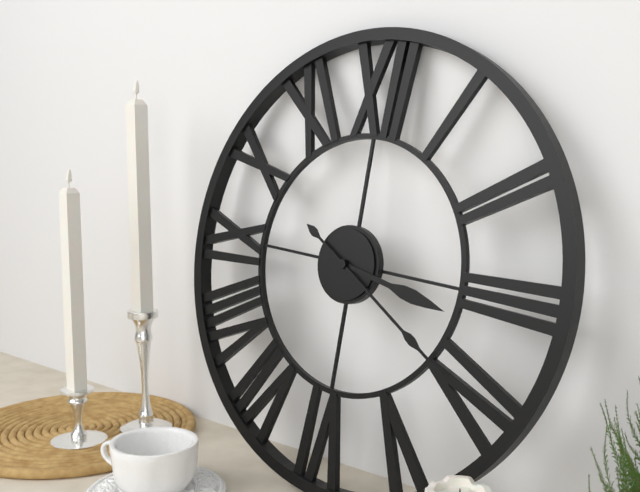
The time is 3:20
